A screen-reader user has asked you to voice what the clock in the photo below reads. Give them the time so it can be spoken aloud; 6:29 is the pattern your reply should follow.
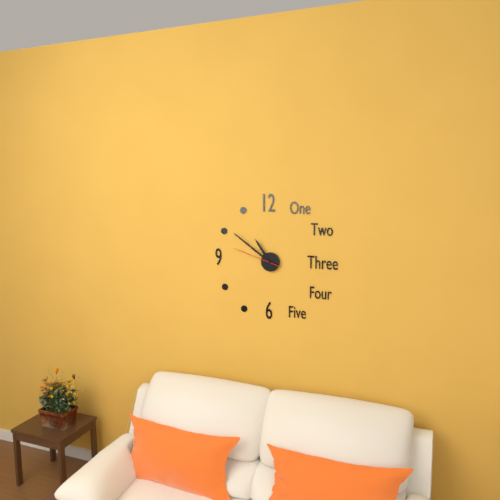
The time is 10:51
